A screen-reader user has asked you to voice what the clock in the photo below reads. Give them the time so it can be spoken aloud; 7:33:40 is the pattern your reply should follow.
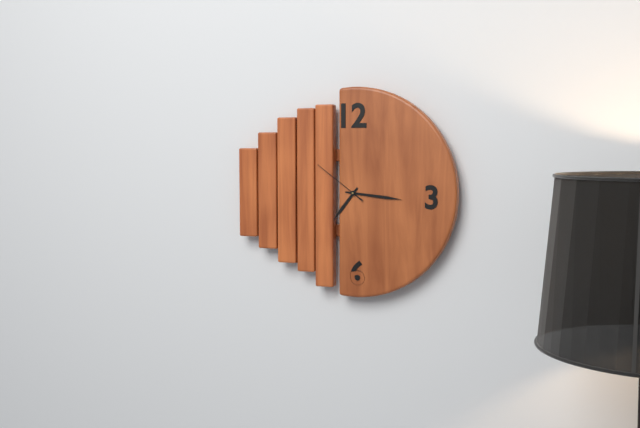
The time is 7:16:51
